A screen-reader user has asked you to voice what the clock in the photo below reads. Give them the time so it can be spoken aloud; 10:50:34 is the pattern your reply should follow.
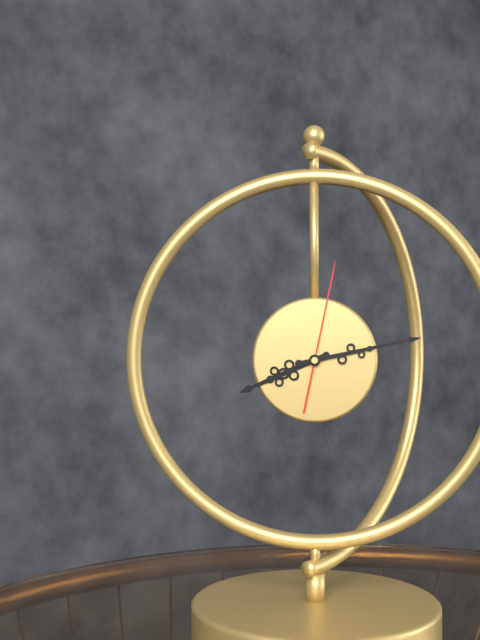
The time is 8:13:02
